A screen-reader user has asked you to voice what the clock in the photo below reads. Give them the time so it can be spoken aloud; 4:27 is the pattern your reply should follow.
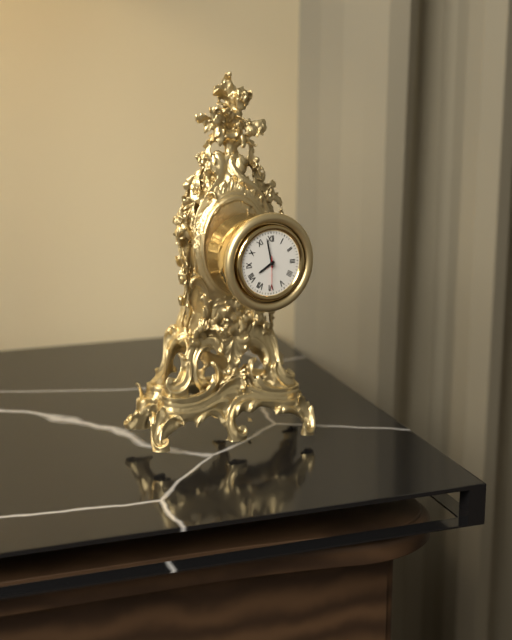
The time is 7:58
